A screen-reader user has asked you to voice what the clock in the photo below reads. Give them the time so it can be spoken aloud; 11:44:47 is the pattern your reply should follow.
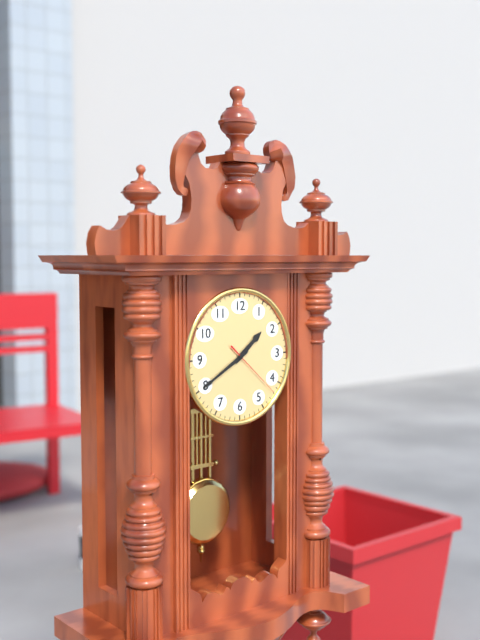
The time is 1:40:22
